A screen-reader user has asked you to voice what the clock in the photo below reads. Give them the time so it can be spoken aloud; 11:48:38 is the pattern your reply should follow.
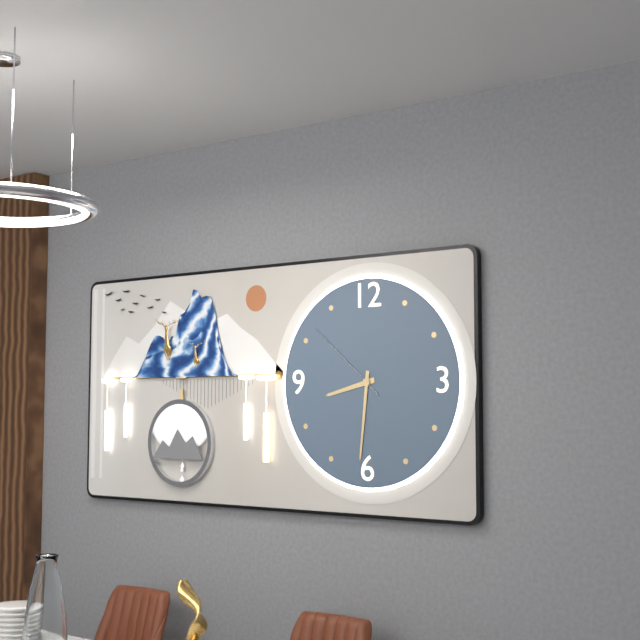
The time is 8:31:52
